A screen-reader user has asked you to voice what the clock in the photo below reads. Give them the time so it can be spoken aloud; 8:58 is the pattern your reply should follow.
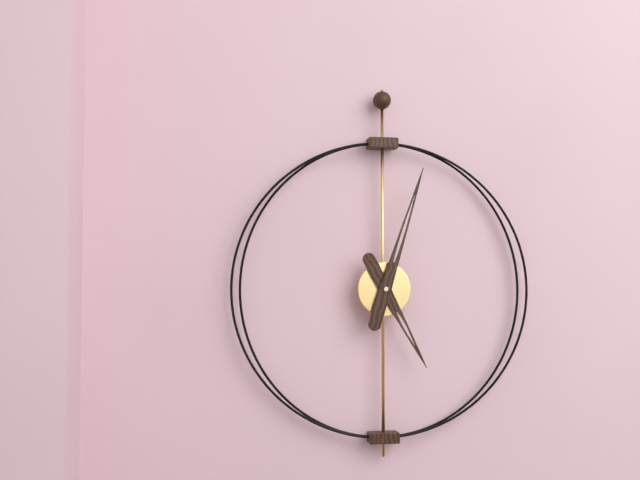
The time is 5:03
